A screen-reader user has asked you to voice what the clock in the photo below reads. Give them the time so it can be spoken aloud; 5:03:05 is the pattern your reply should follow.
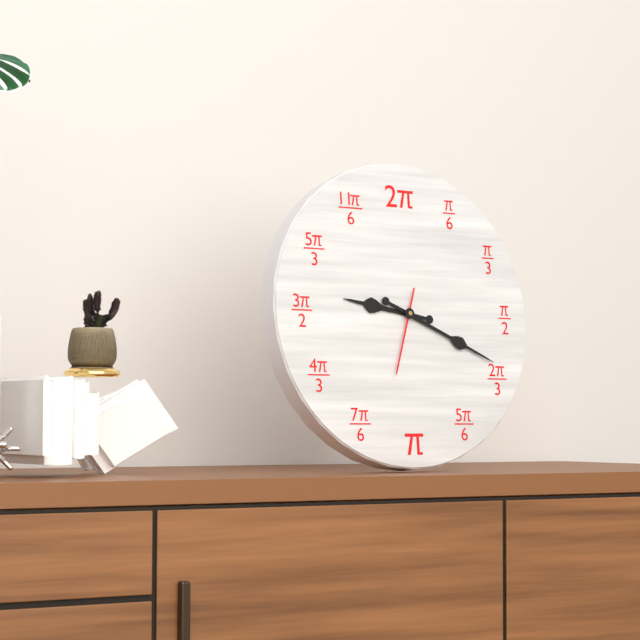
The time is 9:19:33
